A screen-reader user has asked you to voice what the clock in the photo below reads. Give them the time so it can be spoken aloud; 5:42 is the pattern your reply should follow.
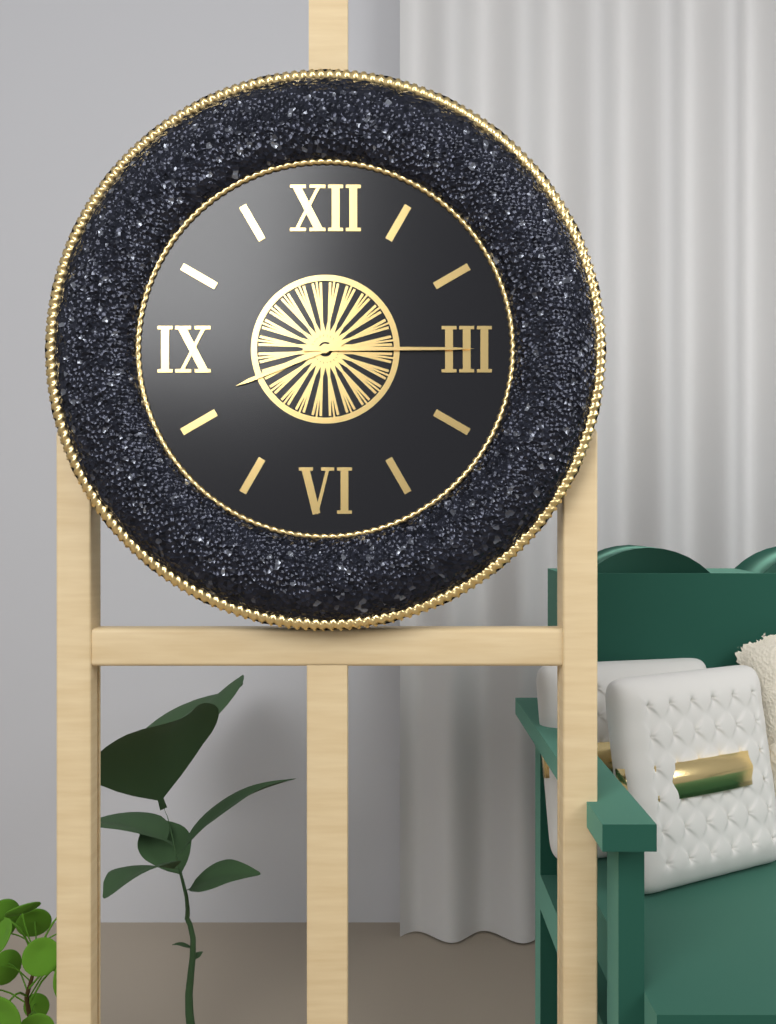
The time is 8:15
